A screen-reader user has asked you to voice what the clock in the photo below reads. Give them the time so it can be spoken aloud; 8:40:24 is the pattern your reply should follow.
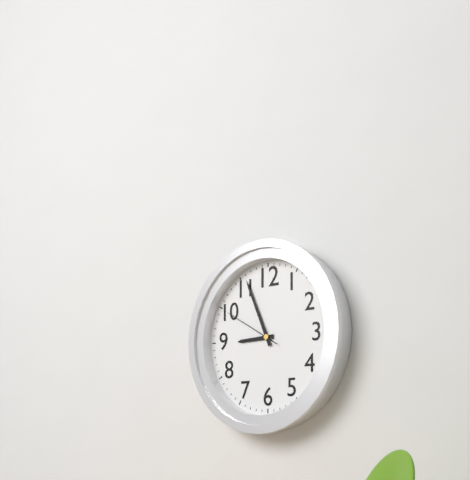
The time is 8:56:50
